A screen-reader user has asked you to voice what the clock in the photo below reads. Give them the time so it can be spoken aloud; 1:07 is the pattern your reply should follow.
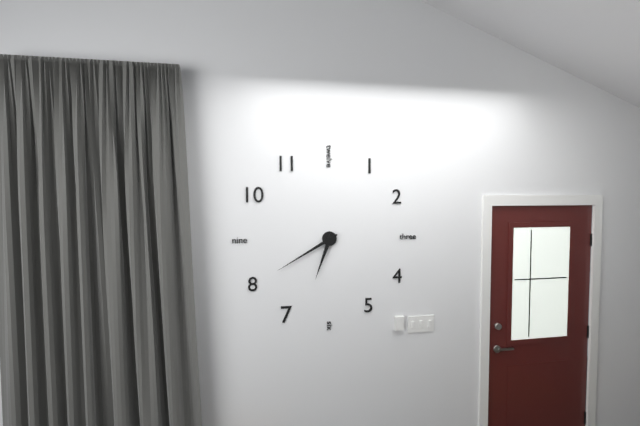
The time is 6:40
